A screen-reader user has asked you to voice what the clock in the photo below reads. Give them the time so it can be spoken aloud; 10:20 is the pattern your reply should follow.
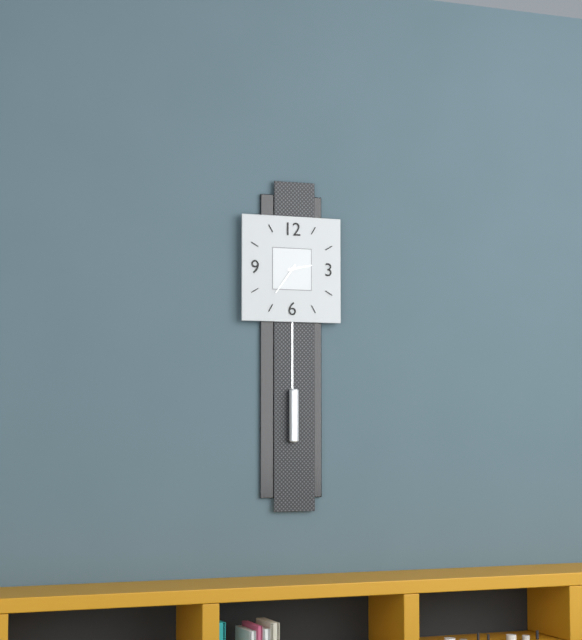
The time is 2:36
